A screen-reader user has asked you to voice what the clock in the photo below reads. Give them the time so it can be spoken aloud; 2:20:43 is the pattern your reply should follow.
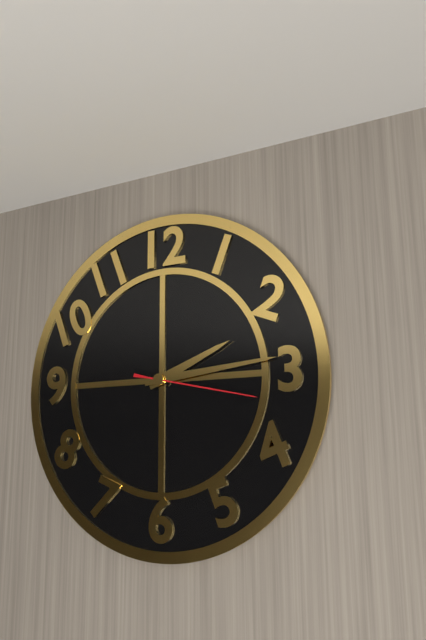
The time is 2:14:17
